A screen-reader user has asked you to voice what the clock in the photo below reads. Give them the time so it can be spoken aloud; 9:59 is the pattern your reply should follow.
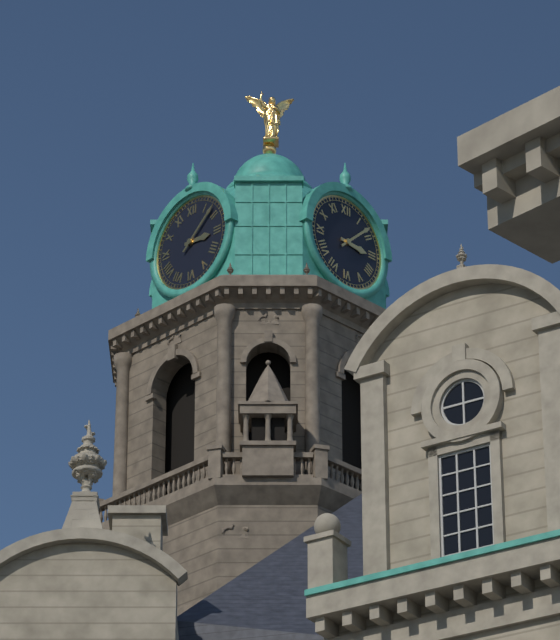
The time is 3:08
